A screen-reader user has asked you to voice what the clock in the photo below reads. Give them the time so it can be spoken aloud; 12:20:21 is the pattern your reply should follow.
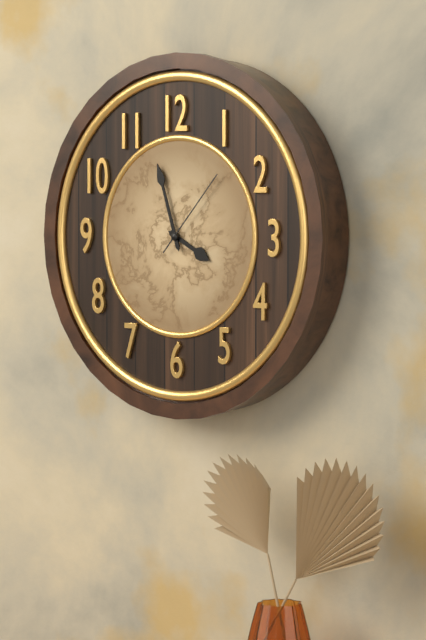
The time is 3:57:07
